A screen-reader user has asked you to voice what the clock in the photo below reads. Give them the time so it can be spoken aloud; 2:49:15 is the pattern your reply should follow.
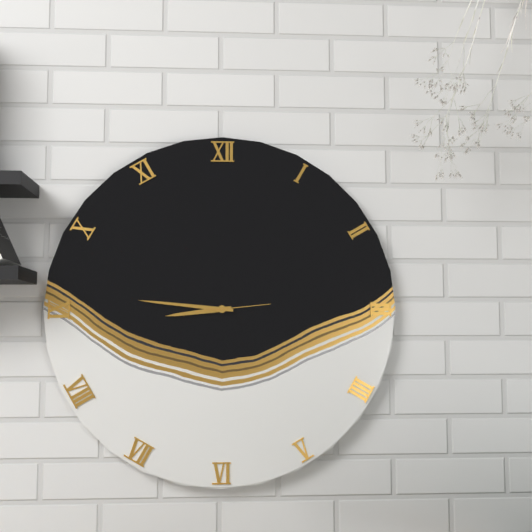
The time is 8:46:14
